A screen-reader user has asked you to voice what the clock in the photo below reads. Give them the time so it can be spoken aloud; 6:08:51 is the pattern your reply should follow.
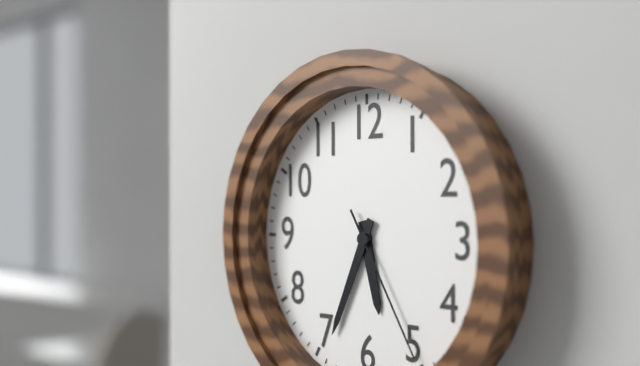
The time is 5:34:25
